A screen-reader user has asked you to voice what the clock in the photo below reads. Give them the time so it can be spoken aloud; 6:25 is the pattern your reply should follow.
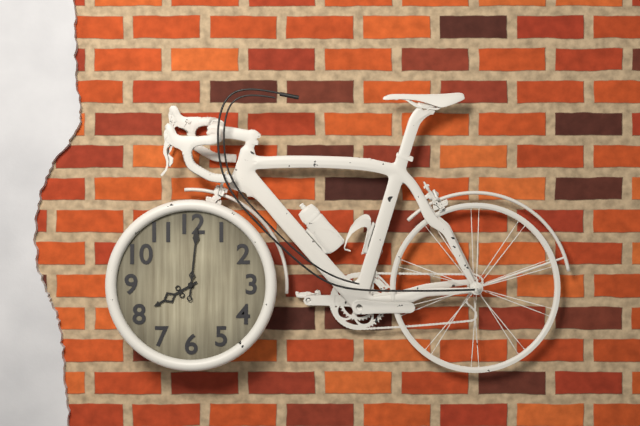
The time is 8:01
